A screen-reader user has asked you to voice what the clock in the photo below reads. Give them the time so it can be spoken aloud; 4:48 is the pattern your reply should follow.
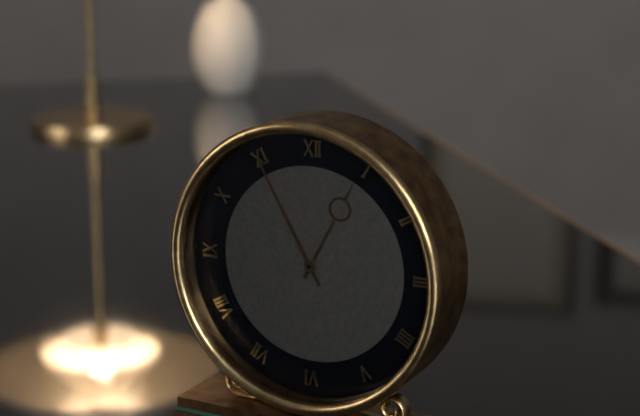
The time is 12:55
